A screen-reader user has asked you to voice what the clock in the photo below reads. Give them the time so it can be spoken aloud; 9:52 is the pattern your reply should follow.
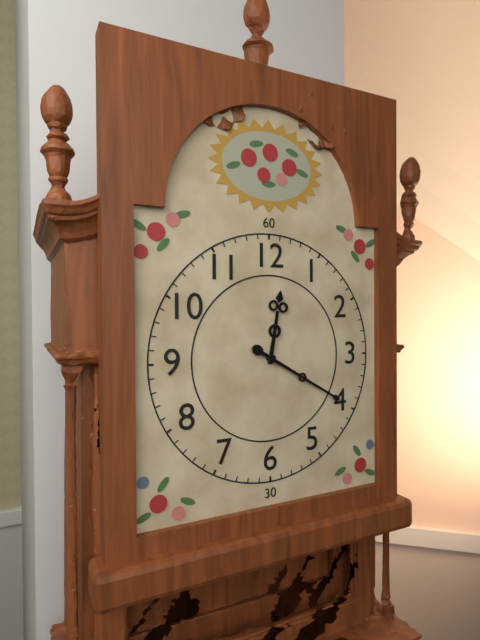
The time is 12:20
